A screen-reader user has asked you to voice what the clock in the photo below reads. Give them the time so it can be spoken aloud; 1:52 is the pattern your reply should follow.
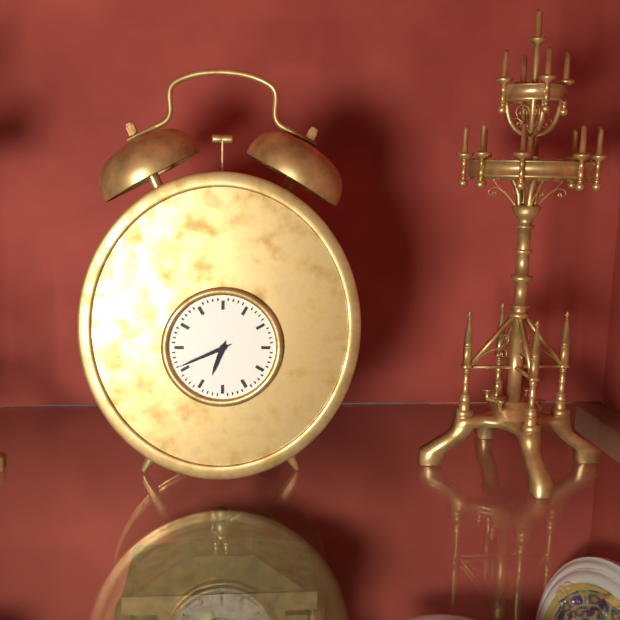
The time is 6:41
